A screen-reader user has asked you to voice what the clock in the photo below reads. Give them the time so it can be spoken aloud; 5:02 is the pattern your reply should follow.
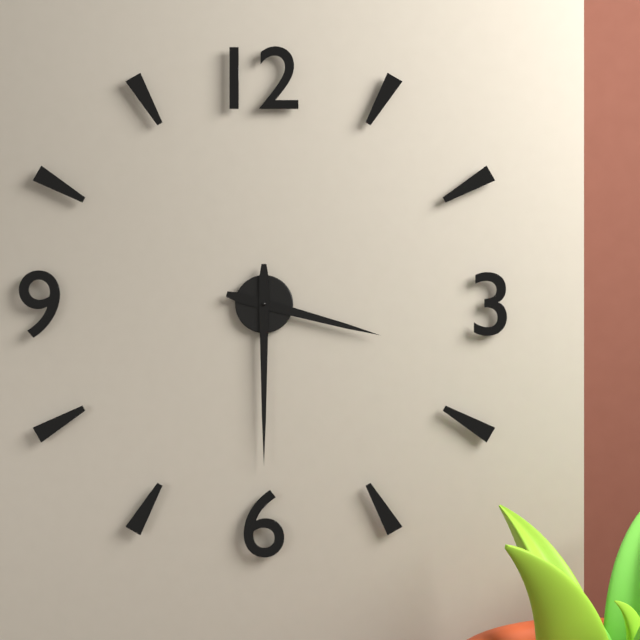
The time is 3:30
